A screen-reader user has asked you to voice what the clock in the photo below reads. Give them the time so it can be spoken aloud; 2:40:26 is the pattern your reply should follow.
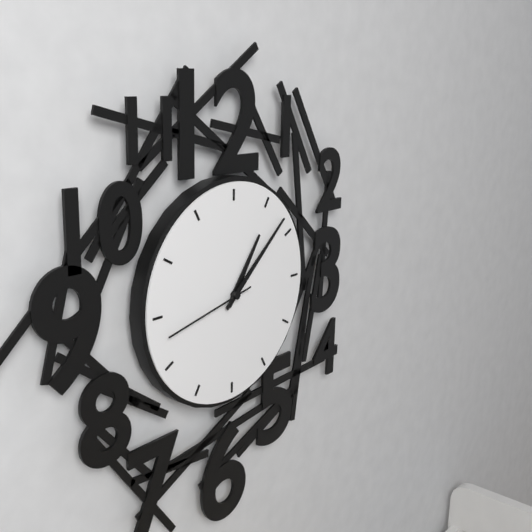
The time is 1:08:43
